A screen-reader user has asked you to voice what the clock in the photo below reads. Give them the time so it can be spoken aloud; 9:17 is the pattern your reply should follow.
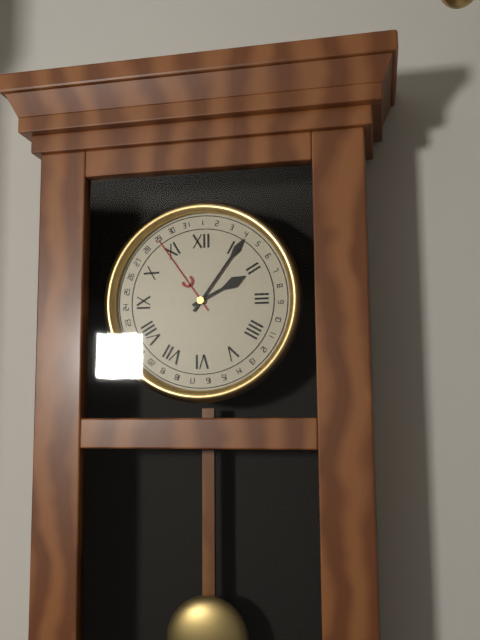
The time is 2:06
